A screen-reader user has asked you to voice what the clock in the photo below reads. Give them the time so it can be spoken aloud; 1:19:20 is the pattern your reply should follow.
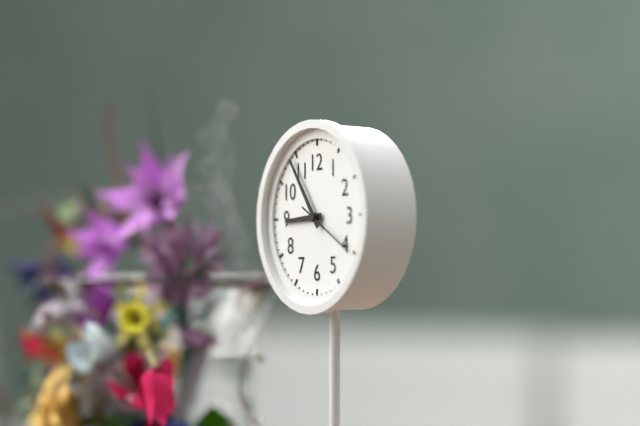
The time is 8:54:20
